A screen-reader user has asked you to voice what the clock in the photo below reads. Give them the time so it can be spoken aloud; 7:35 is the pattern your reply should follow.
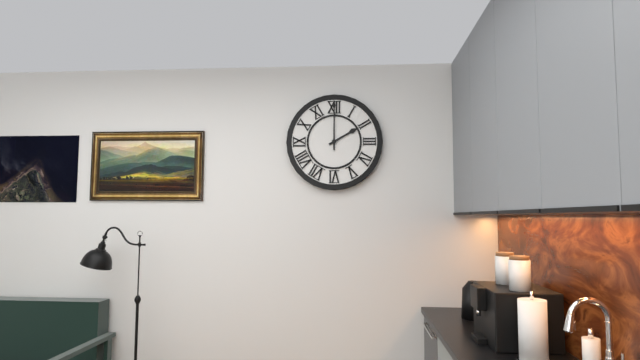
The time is 2:00
